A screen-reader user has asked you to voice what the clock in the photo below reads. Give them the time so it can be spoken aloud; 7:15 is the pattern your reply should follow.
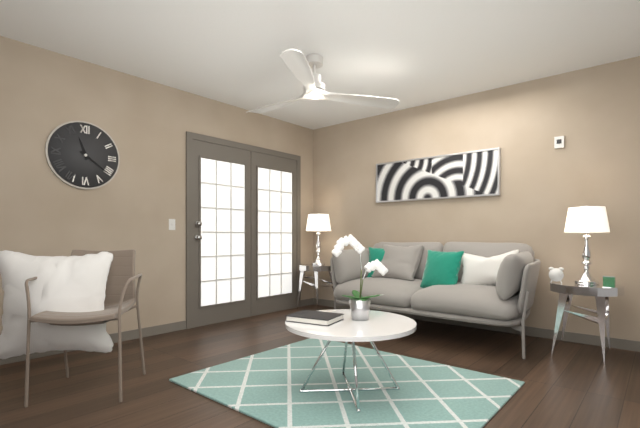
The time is 11:21
